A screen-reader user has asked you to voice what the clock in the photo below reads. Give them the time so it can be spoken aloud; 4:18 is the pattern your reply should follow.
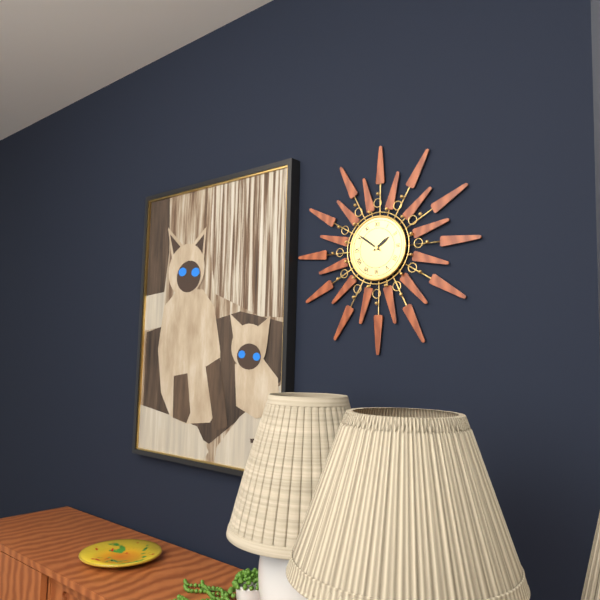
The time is 1:51
